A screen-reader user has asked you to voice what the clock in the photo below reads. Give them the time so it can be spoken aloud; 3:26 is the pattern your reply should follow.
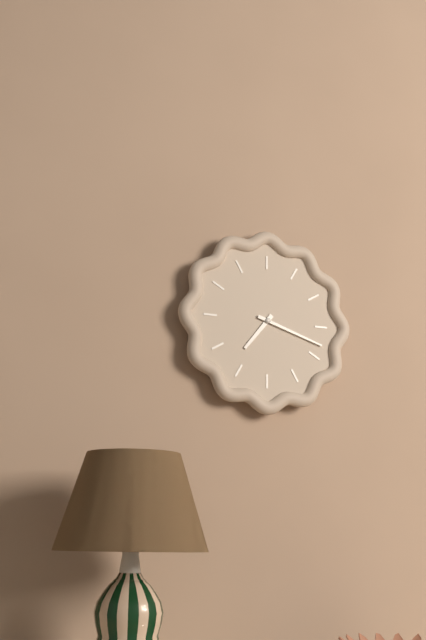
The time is 7:18
